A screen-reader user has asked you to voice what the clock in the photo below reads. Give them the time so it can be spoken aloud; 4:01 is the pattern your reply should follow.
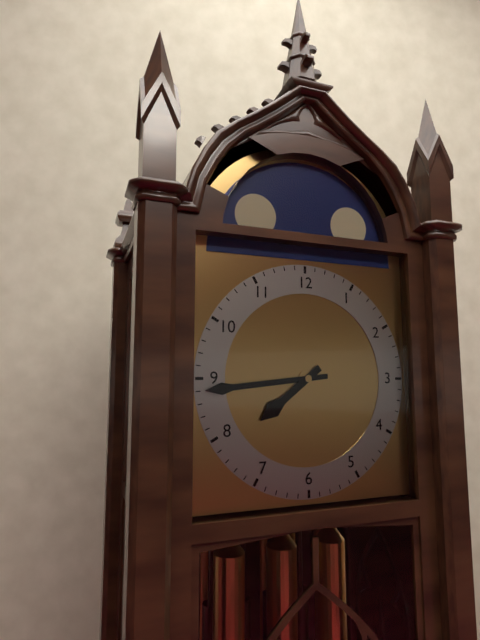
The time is 7:44
